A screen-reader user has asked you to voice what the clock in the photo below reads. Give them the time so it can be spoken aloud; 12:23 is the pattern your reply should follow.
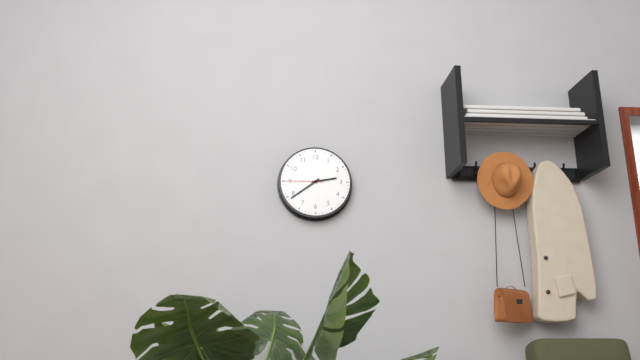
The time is 2:39
